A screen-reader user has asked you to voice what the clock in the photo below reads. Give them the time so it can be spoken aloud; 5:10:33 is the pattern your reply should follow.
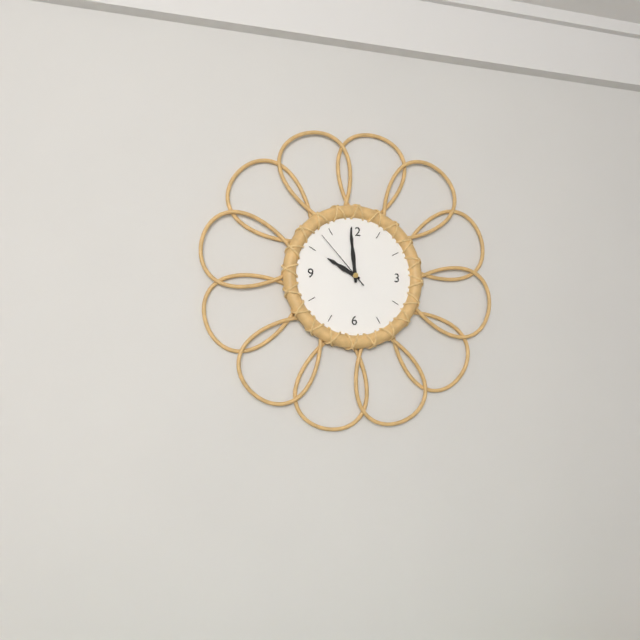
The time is 9:59:53
